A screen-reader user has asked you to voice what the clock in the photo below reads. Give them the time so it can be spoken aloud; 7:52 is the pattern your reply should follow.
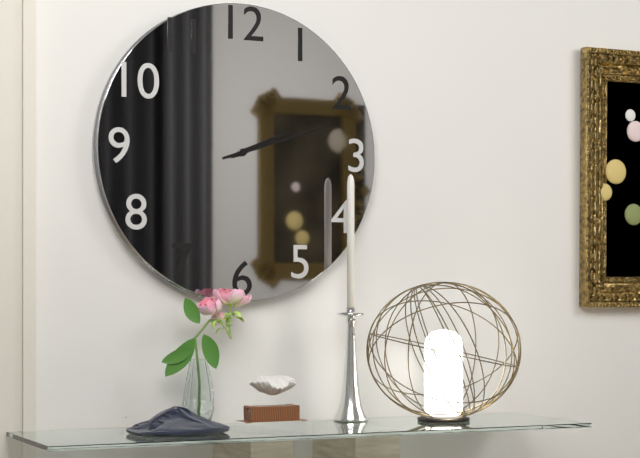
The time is 2:12
